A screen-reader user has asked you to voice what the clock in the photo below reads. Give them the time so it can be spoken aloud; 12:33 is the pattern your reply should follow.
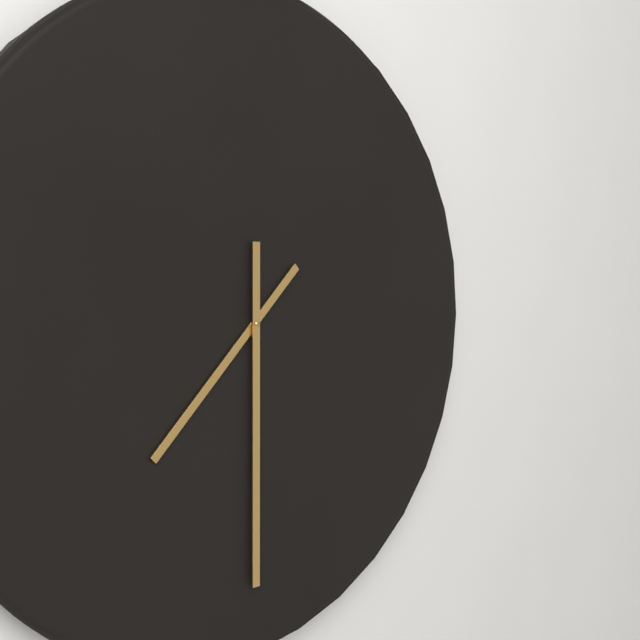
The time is 7:30
